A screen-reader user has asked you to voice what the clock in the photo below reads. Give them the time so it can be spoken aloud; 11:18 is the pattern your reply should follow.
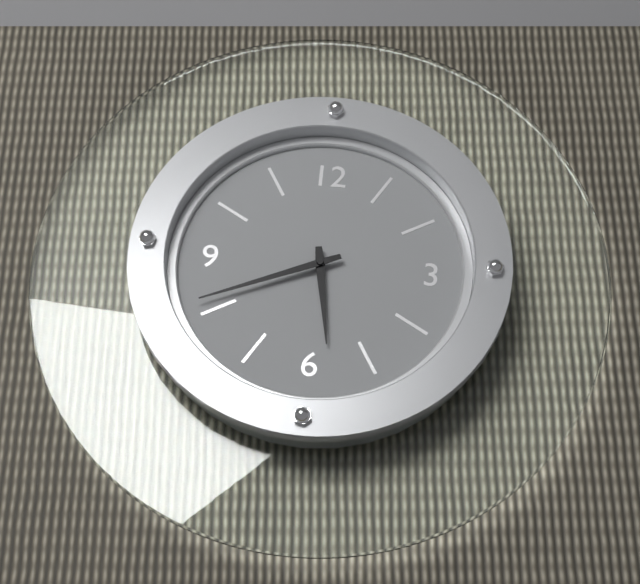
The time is 5:41
